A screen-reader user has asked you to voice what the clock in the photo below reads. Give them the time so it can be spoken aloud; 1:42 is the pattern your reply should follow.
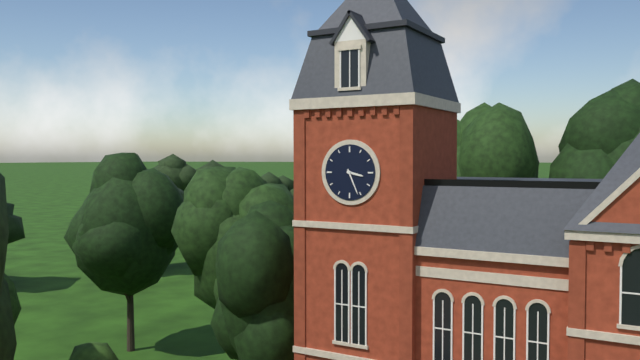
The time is 3:26
